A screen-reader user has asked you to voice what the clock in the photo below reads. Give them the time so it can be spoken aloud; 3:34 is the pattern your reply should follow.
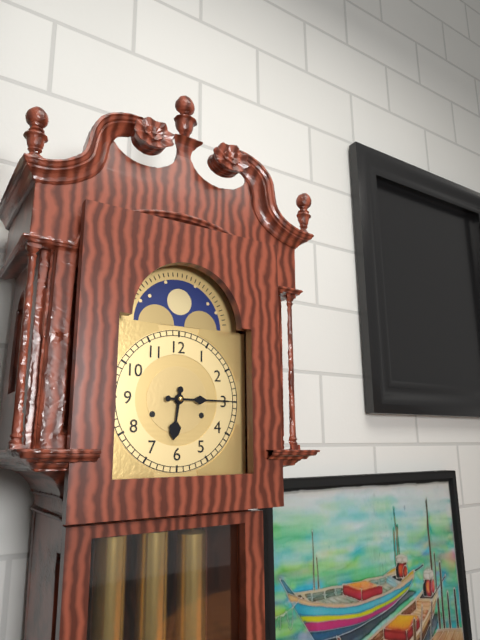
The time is 6:15
